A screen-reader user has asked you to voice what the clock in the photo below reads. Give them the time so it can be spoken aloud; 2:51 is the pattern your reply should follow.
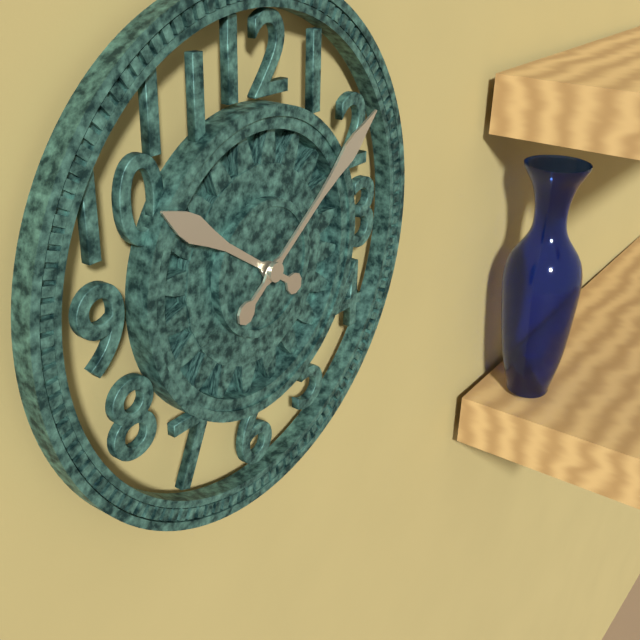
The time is 10:09
